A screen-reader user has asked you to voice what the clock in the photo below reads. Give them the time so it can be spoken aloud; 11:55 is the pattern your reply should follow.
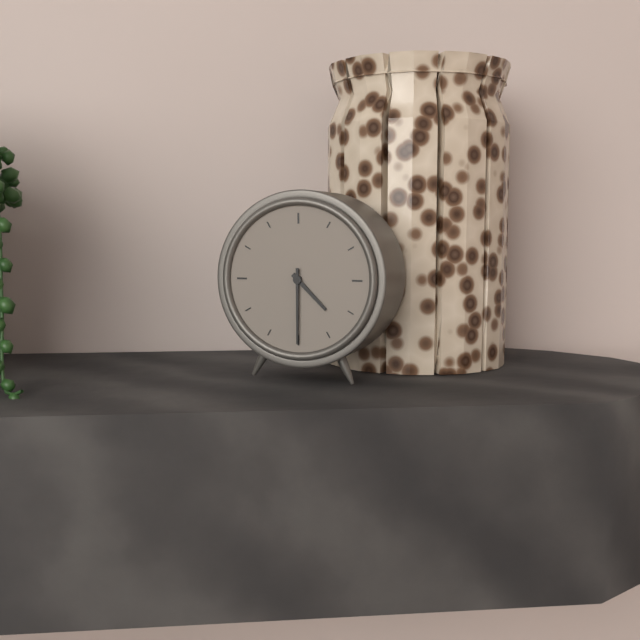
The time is 4:30
